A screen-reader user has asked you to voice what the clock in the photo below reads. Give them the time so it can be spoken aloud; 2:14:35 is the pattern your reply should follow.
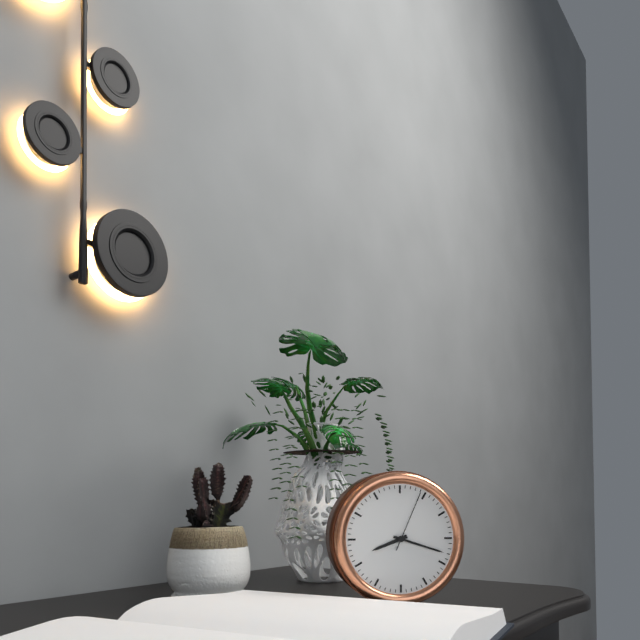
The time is 8:18:04
